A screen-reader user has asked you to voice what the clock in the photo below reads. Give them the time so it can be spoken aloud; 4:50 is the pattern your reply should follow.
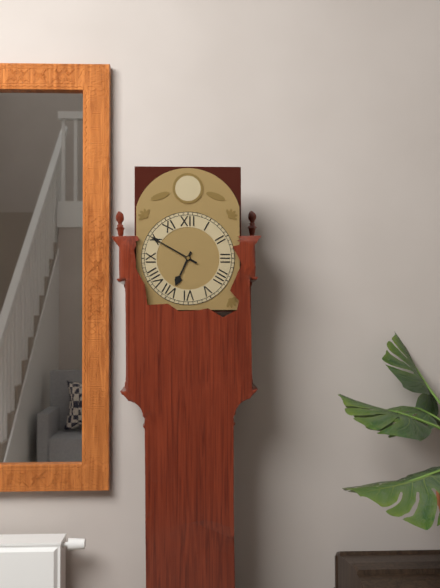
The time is 6:50
